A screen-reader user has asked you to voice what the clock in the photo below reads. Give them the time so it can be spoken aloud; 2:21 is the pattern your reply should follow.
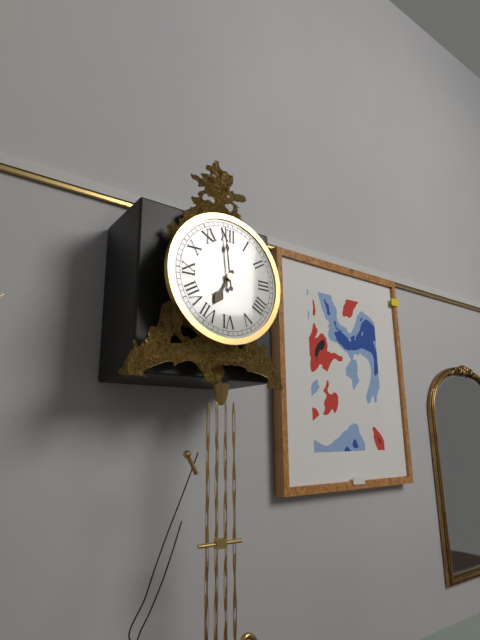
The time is 6:59
